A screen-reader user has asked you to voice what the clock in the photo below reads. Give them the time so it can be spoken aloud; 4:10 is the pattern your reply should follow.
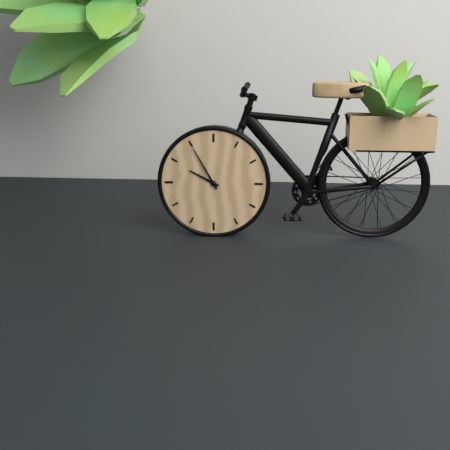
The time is 9:55
